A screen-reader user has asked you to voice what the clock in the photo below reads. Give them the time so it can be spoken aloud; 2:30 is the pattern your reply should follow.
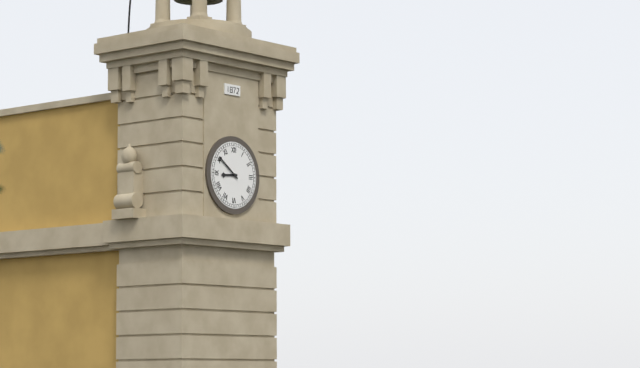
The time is 8:51
